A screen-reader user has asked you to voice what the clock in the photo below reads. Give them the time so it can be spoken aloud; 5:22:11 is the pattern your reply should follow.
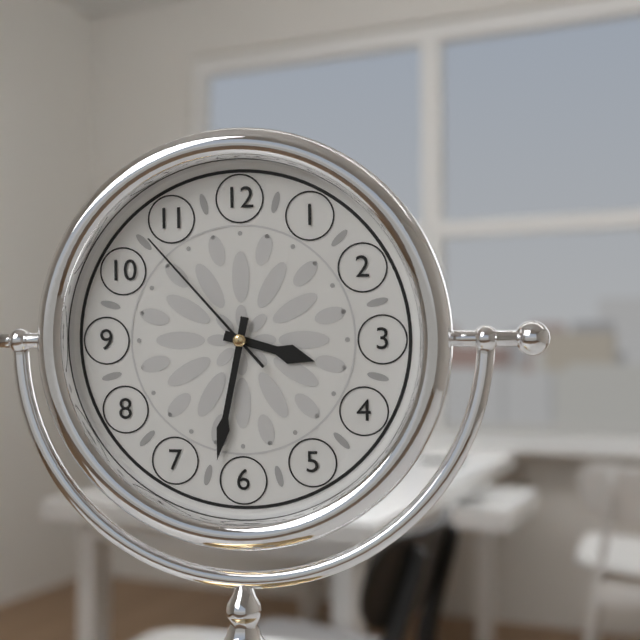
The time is 3:32:53
